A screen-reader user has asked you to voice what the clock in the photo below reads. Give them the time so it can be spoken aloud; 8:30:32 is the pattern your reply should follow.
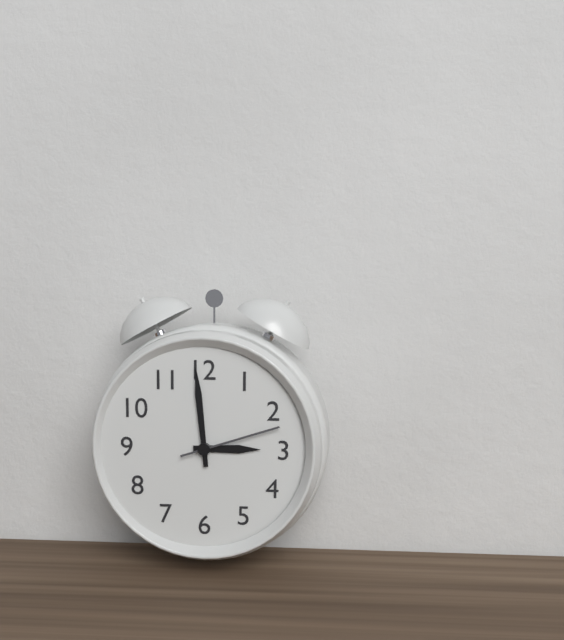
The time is 2:59:12
